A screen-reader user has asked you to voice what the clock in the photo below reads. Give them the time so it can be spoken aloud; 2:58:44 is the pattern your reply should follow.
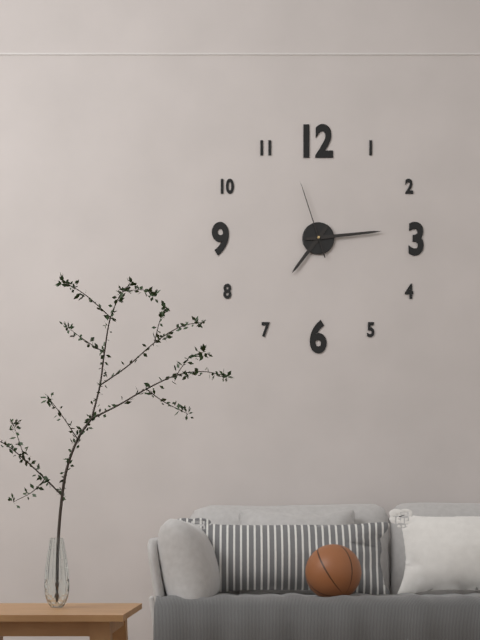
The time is 7:14:57
